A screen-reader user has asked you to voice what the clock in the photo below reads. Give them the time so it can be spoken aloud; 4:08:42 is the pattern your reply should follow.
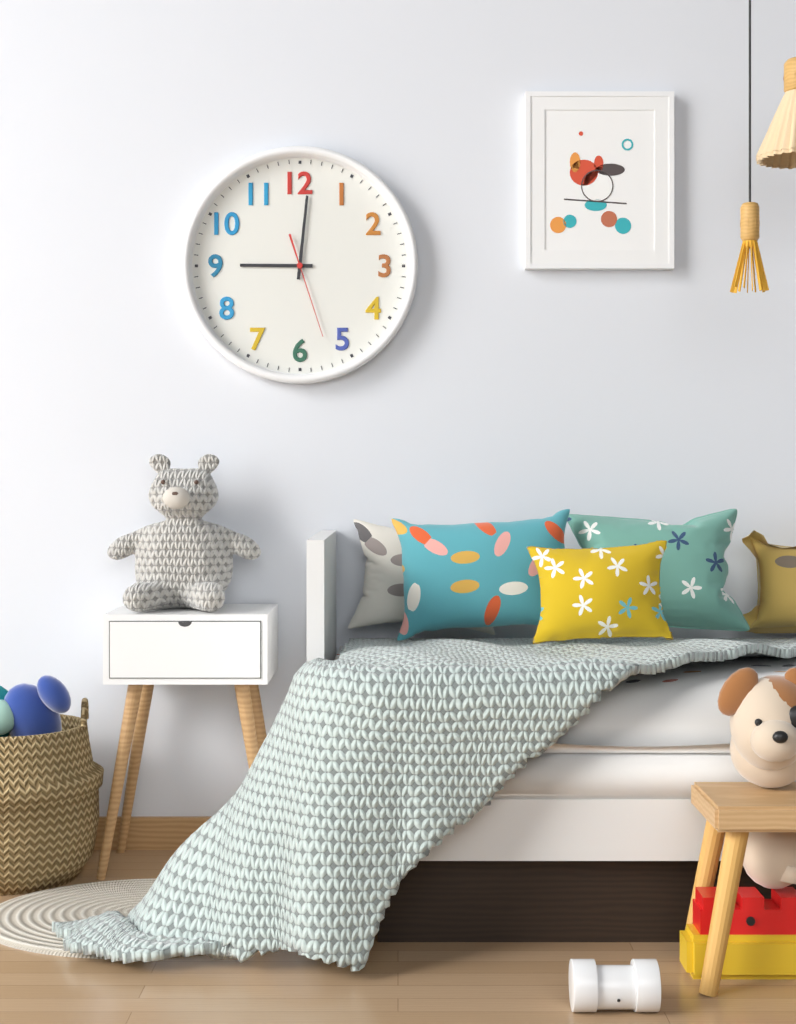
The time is 9:01:27
